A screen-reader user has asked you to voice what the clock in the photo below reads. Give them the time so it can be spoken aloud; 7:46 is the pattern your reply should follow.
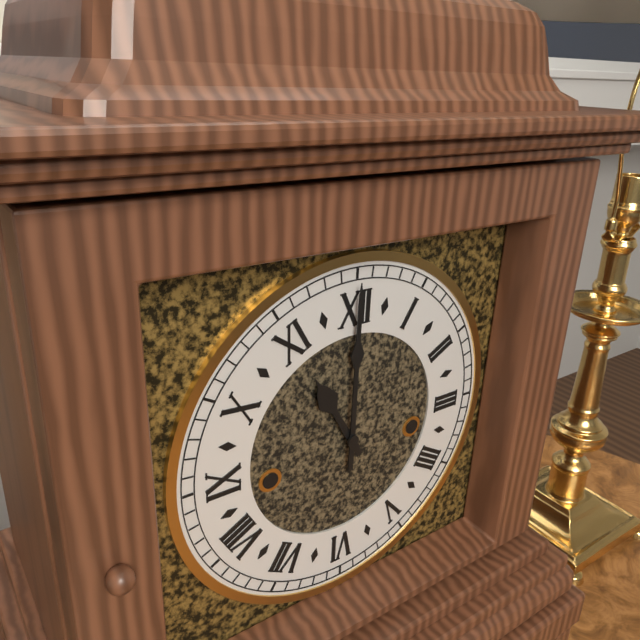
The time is 11:00
